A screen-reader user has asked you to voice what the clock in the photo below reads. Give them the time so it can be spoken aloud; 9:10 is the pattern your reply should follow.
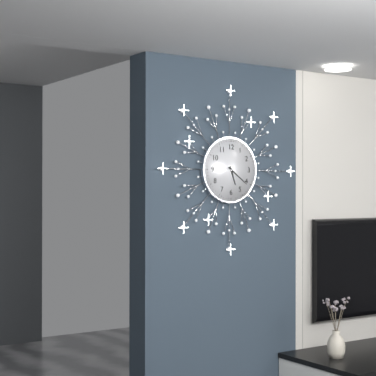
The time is 5:21
